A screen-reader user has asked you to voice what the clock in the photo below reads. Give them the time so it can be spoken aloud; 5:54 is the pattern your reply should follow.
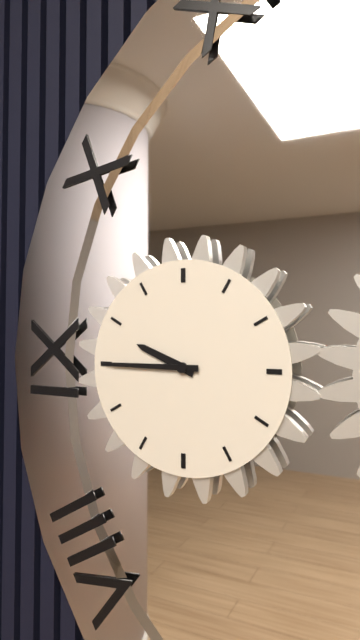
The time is 9:45
